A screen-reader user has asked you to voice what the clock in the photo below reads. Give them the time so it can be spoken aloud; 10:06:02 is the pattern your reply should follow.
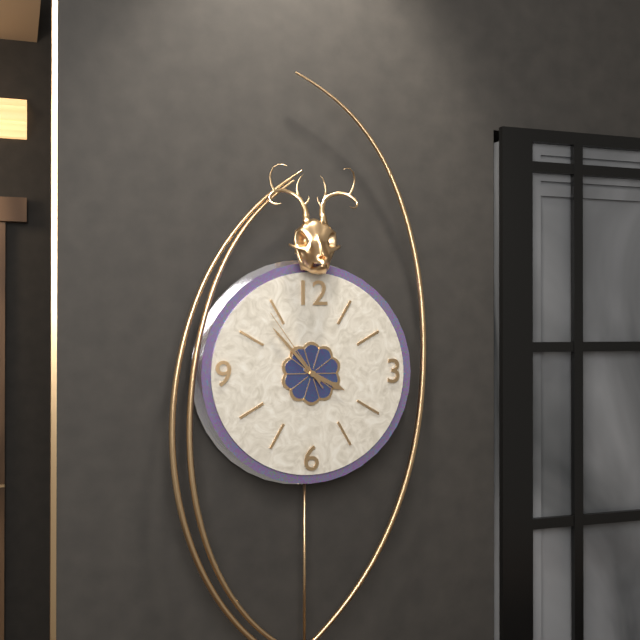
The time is 3:53:54
